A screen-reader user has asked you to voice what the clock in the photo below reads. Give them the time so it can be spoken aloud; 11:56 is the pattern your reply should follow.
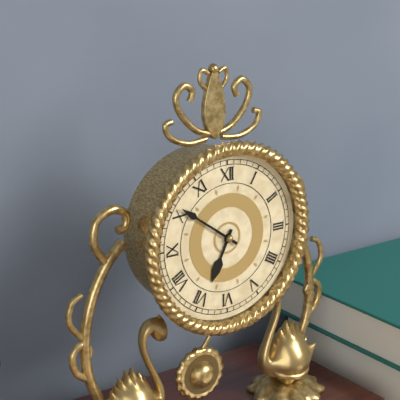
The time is 6:51
